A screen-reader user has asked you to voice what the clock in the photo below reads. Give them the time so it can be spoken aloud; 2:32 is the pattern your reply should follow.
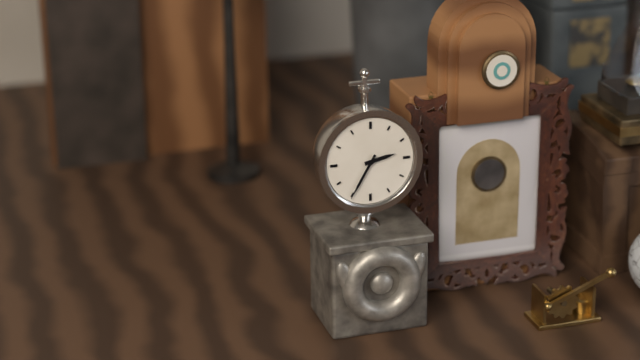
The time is 2:35
